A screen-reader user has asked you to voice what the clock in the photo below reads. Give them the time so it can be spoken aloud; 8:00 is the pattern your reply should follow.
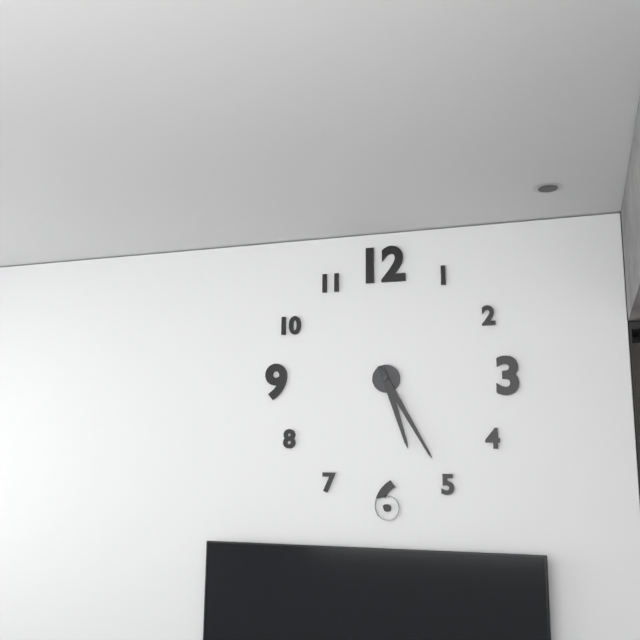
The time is 5:25
